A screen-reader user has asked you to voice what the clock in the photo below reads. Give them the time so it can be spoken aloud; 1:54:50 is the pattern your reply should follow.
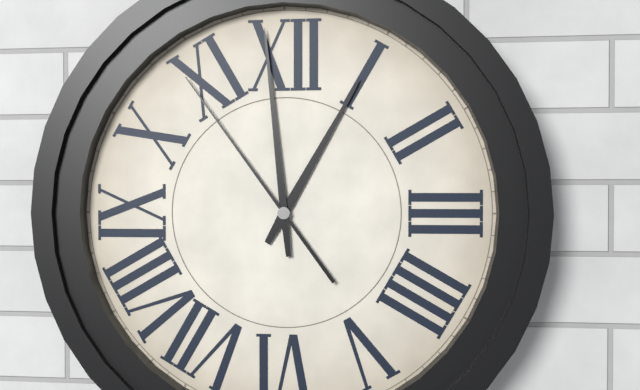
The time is 12:59:54
